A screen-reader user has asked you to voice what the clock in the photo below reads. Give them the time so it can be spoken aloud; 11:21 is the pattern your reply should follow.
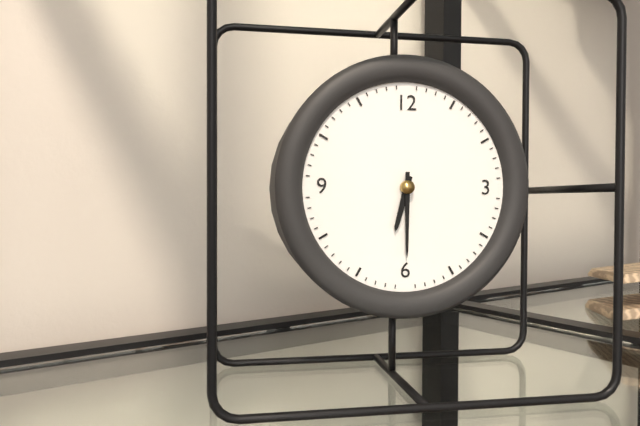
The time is 6:30
